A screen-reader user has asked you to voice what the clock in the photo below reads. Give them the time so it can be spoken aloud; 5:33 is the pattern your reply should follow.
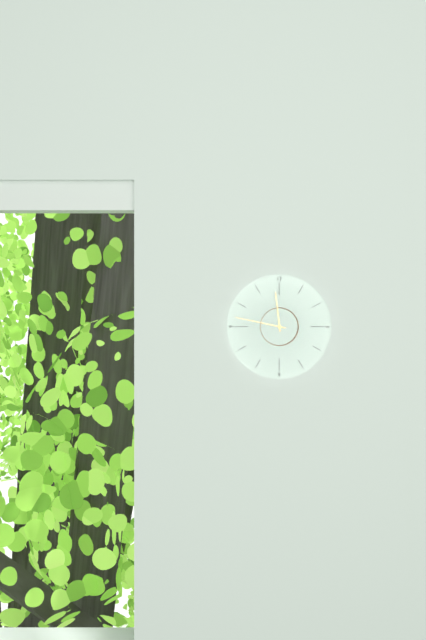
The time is 11:47
